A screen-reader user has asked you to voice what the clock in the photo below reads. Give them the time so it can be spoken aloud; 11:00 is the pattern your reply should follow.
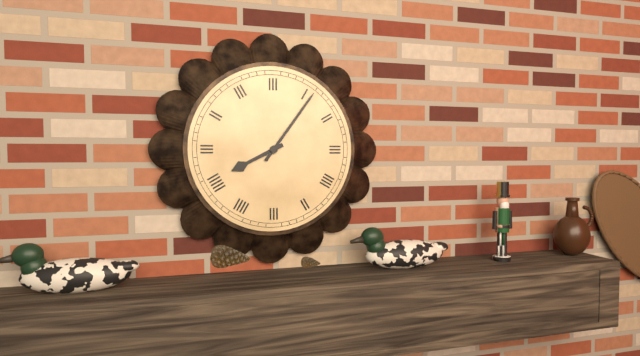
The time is 8:06
